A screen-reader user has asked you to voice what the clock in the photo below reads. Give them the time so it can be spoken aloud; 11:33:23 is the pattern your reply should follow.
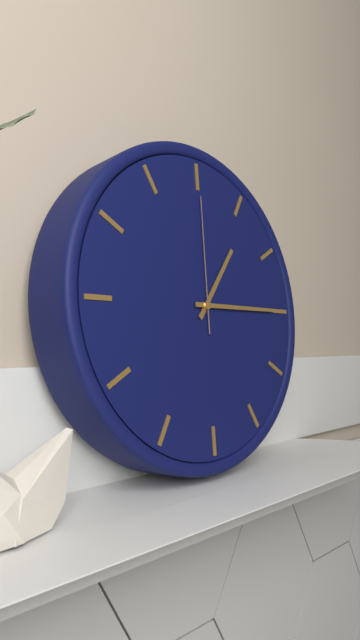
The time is 1:15:00
